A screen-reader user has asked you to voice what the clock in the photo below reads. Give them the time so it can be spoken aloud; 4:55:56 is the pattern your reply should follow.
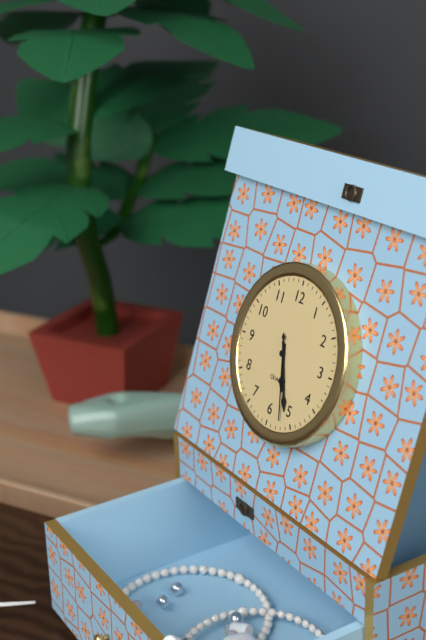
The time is 5:26:27
